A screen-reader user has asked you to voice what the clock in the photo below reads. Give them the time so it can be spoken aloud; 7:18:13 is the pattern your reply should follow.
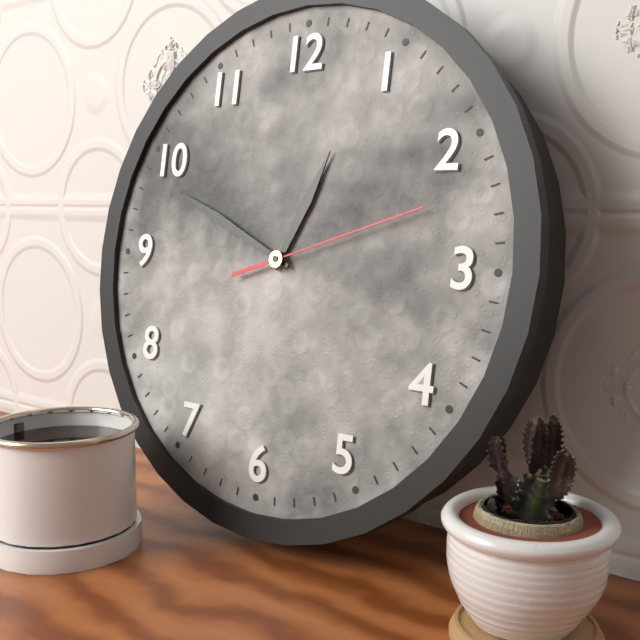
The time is 12:49:12
